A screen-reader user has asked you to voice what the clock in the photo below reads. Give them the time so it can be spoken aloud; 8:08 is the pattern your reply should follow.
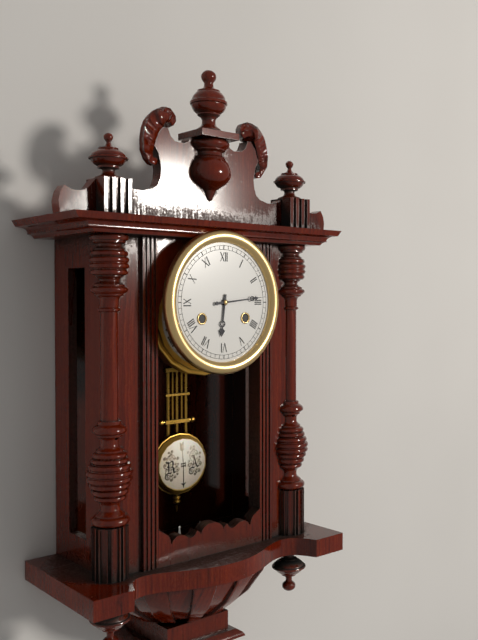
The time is 6:14
